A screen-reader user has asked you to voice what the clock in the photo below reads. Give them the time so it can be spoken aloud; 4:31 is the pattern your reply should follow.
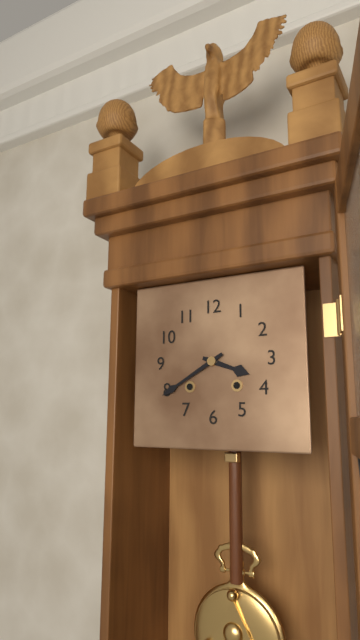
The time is 3:40
